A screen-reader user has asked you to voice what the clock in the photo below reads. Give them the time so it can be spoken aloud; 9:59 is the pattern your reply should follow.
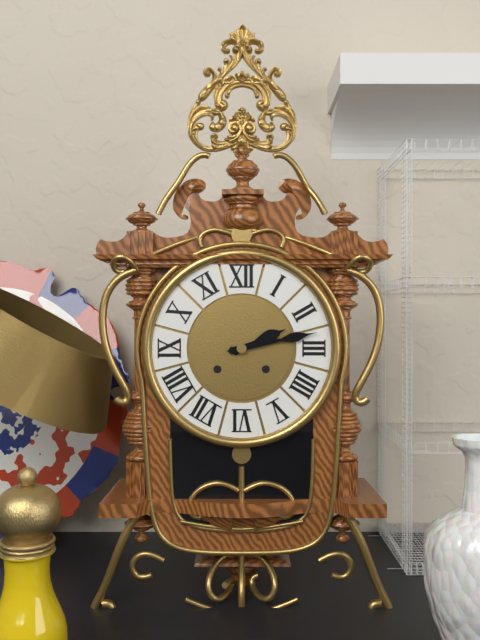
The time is 2:13
